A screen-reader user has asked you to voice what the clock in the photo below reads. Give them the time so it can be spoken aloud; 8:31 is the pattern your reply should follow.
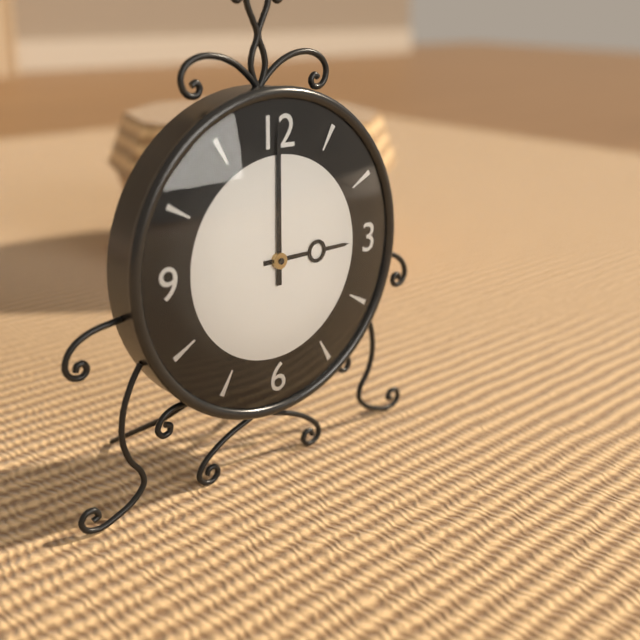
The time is 3:00
